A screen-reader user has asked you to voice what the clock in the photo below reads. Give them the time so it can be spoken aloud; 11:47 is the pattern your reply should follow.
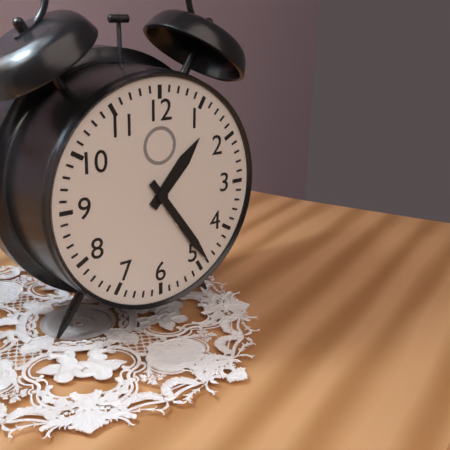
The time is 1:24
